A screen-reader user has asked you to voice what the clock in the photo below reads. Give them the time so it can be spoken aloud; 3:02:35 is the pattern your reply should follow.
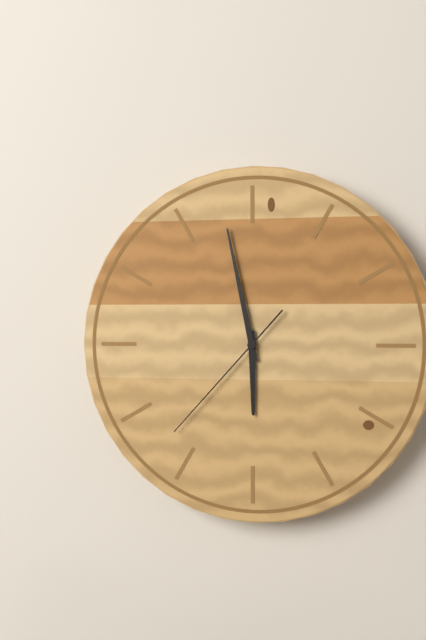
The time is 5:58:37
